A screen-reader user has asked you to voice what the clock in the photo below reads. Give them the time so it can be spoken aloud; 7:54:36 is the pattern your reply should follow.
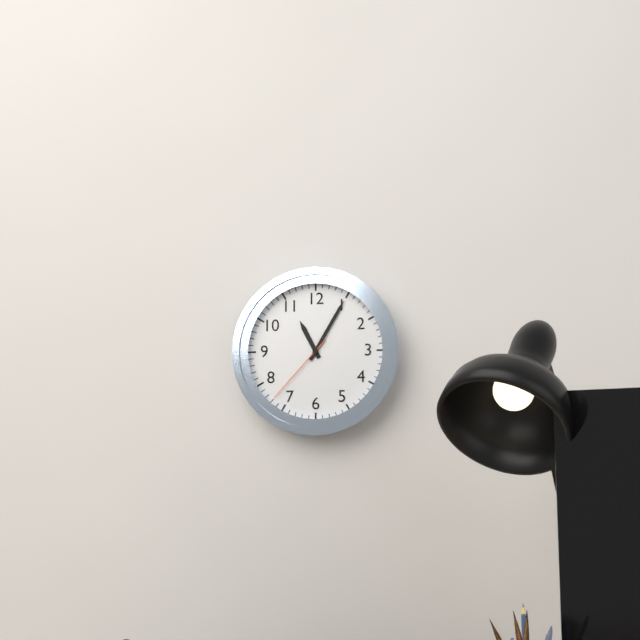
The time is 11:05:37
